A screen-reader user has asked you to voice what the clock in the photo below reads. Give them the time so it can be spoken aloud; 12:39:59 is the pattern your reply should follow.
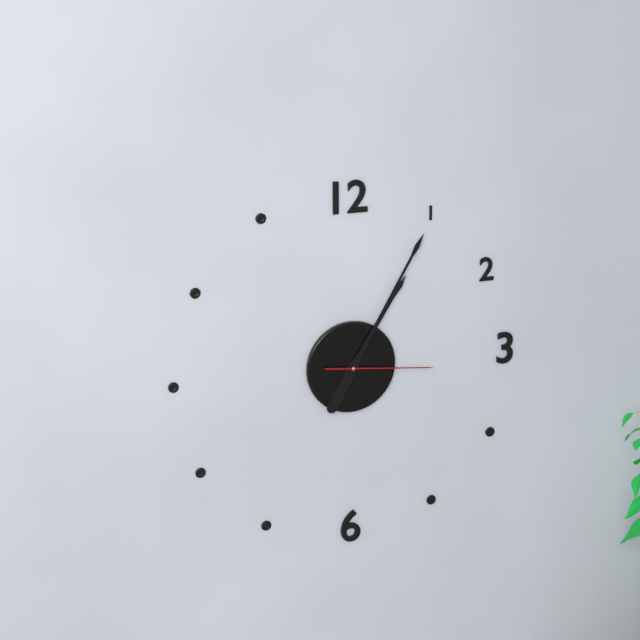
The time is 1:05:16
